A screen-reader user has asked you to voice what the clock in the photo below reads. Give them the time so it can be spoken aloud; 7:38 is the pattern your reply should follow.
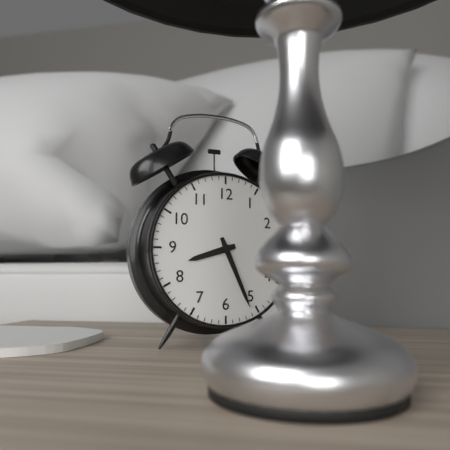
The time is 8:26
